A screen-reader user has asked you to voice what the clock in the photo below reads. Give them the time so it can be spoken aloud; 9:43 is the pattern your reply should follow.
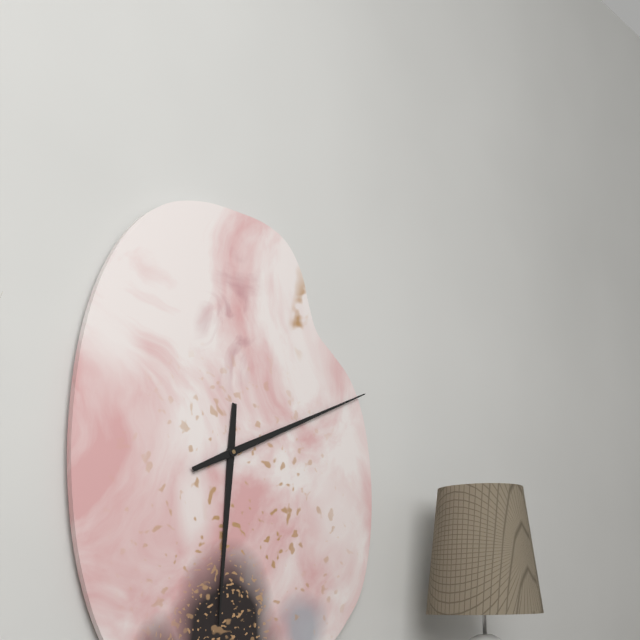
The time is 6:11
